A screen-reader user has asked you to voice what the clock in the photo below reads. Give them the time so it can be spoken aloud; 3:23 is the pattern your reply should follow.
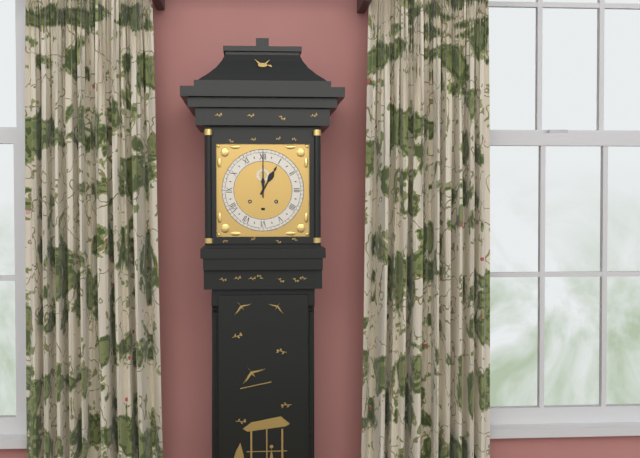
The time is 1:00
